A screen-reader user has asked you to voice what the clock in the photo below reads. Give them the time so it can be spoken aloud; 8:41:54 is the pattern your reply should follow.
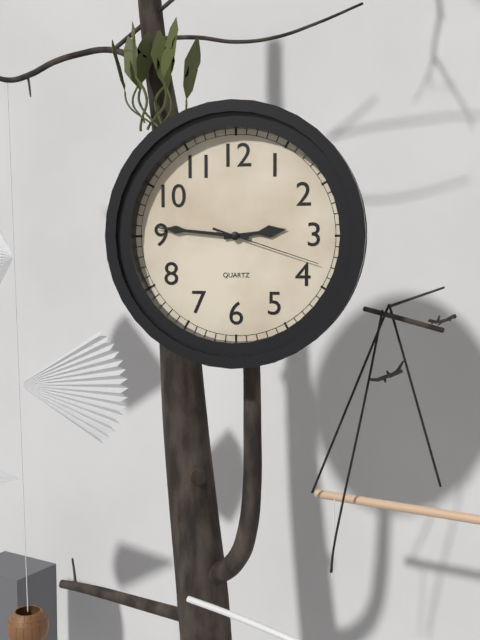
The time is 2:46:18
